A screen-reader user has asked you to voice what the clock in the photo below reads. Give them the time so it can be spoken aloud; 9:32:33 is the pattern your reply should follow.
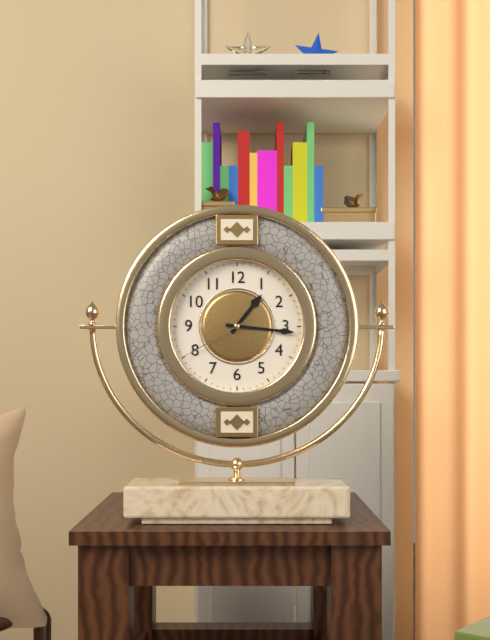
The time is 1:16:40
